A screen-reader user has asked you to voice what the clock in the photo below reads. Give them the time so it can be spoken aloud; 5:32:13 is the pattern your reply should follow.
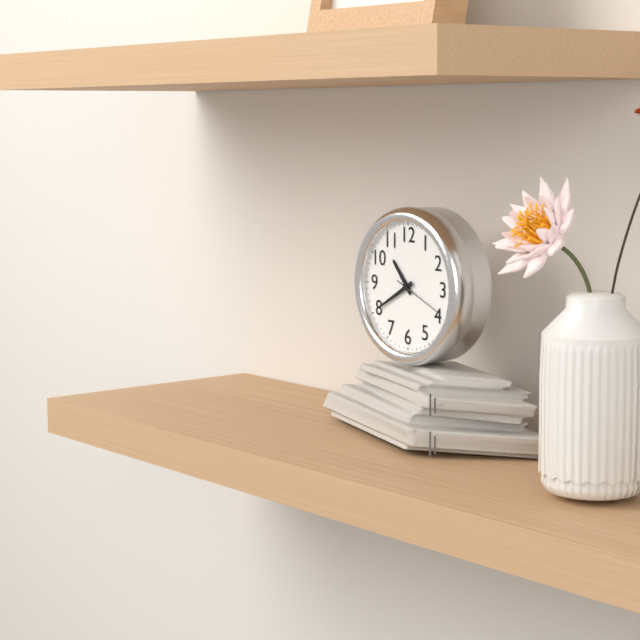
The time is 10:40:19
